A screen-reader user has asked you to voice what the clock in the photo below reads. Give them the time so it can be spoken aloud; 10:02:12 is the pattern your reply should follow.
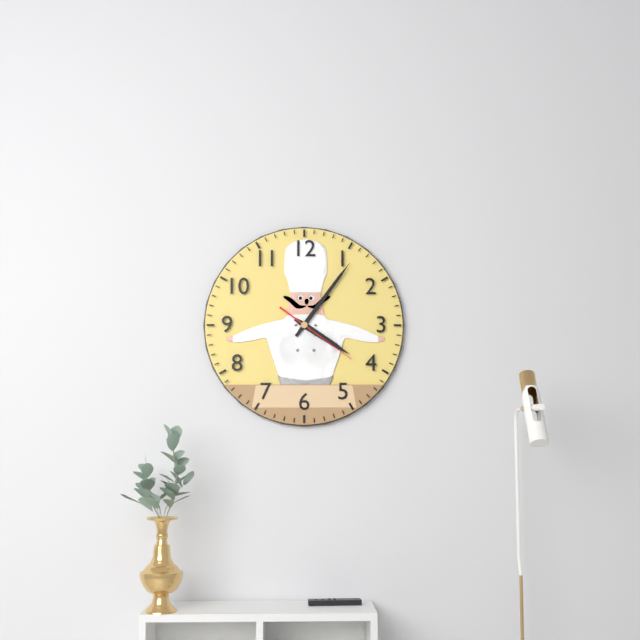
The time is 4:06:21
